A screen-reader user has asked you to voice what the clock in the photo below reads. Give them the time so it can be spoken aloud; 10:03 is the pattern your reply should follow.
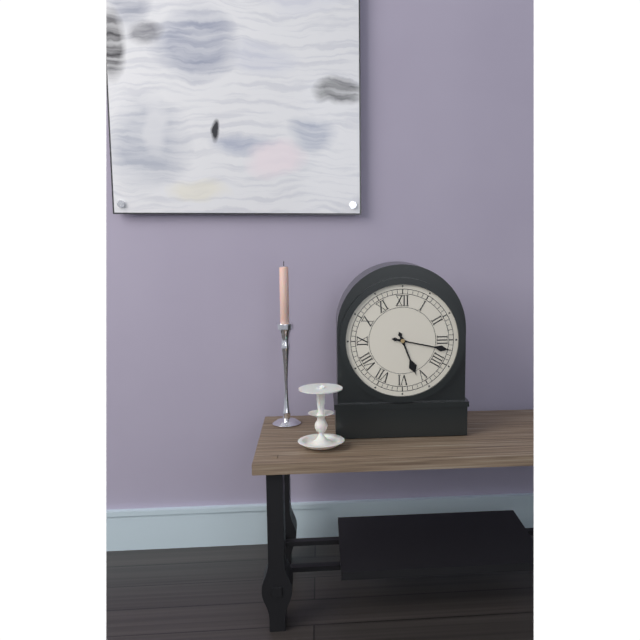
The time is 5:17
